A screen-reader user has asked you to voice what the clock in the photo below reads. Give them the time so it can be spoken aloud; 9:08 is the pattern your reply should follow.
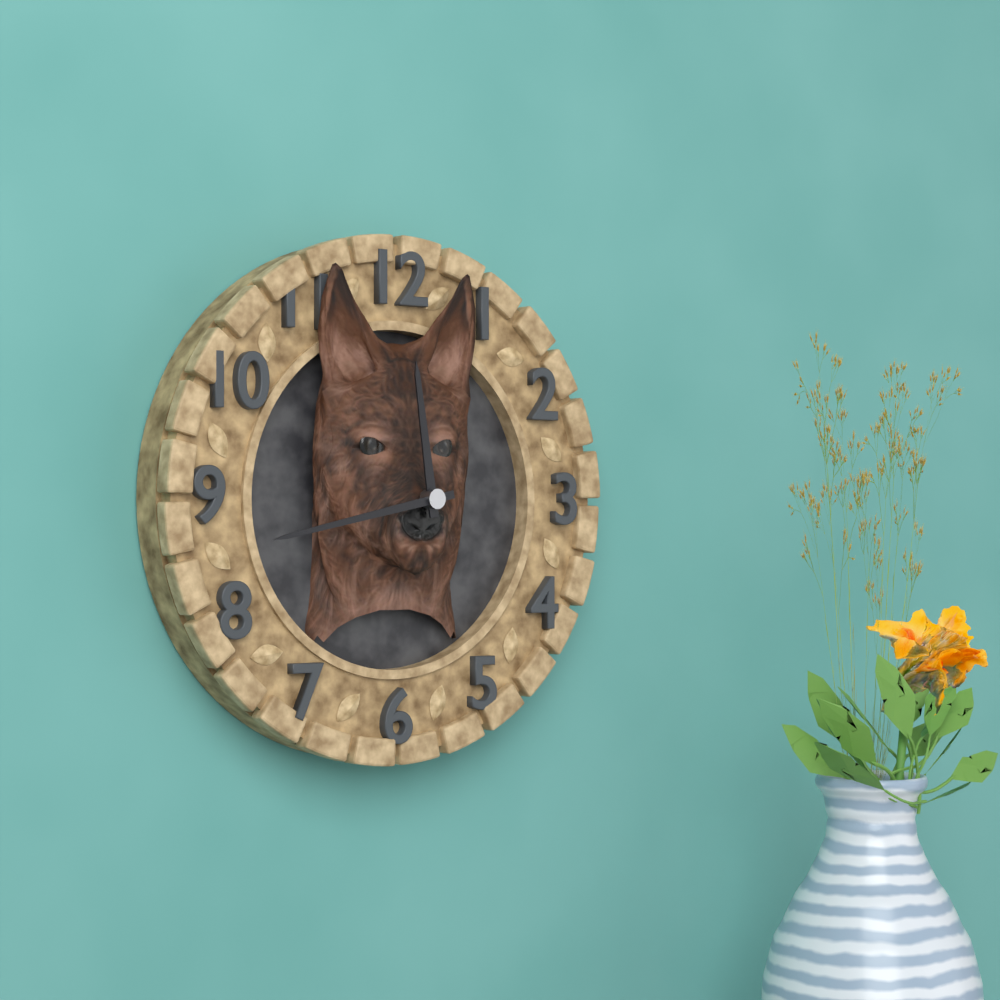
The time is 11:43
